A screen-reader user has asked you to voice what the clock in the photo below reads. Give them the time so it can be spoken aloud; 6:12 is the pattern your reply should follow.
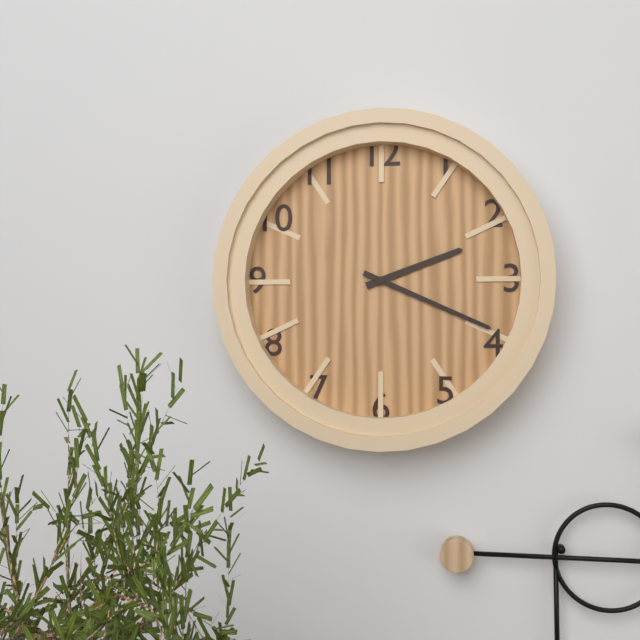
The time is 2:19
